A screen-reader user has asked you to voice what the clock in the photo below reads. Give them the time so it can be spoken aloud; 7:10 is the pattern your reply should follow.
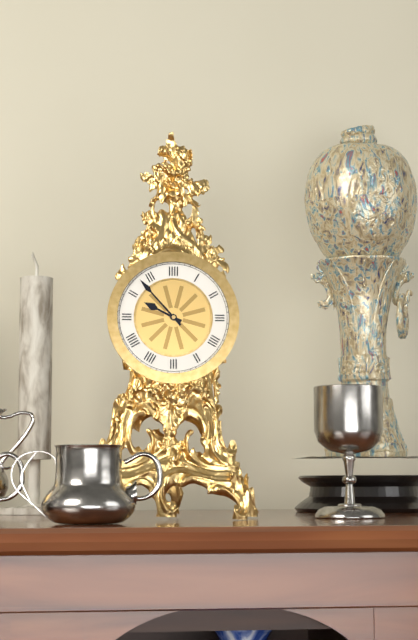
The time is 9:53
